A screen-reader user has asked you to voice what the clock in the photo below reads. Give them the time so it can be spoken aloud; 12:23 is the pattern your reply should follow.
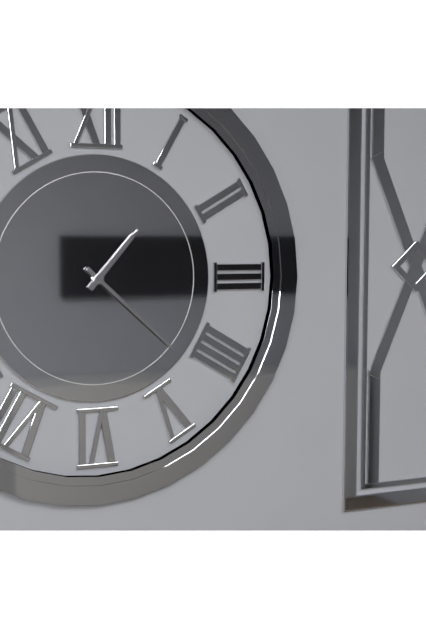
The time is 1:22
